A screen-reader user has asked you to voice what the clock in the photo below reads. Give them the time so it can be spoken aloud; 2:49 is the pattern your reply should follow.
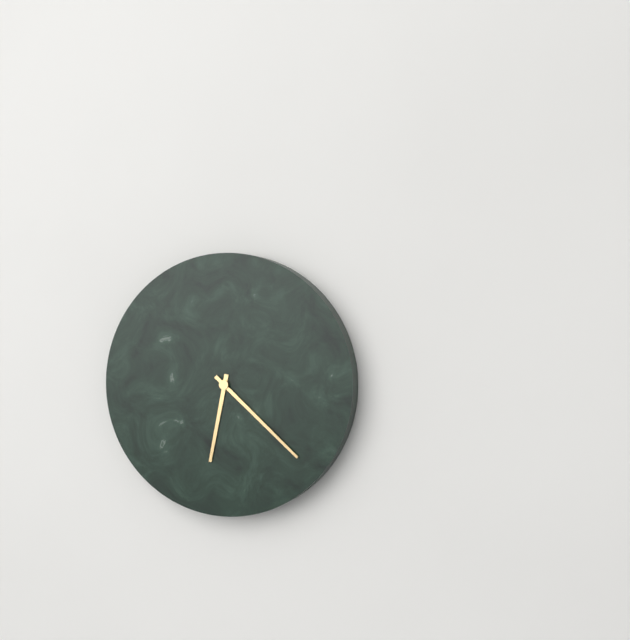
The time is 6:22
